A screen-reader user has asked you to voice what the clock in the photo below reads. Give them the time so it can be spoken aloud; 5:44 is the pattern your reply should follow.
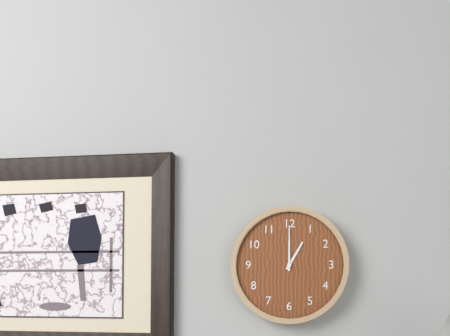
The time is 1:00
